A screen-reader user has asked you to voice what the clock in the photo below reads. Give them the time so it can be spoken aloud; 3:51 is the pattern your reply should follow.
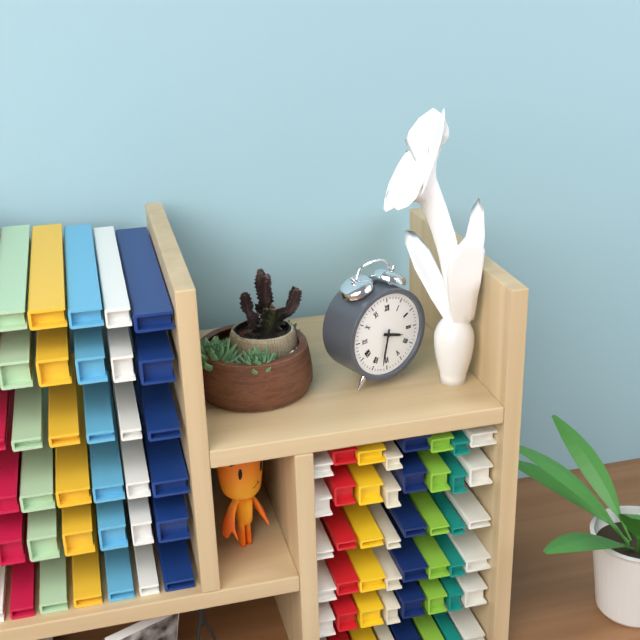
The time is 3:32
